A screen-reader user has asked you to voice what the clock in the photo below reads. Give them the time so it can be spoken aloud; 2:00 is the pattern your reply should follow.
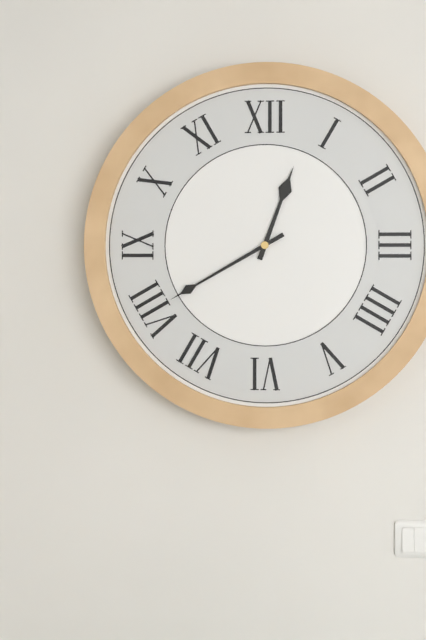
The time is 12:40
